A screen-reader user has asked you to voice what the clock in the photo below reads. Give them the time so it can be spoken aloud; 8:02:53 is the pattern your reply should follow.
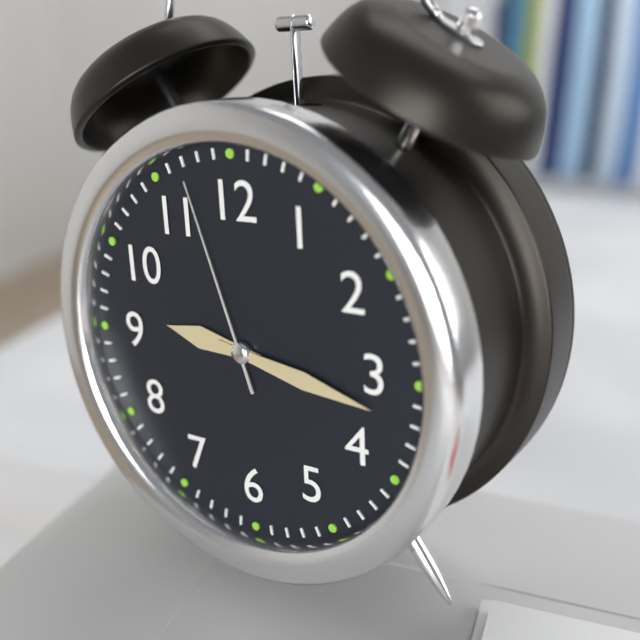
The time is 9:17:57
